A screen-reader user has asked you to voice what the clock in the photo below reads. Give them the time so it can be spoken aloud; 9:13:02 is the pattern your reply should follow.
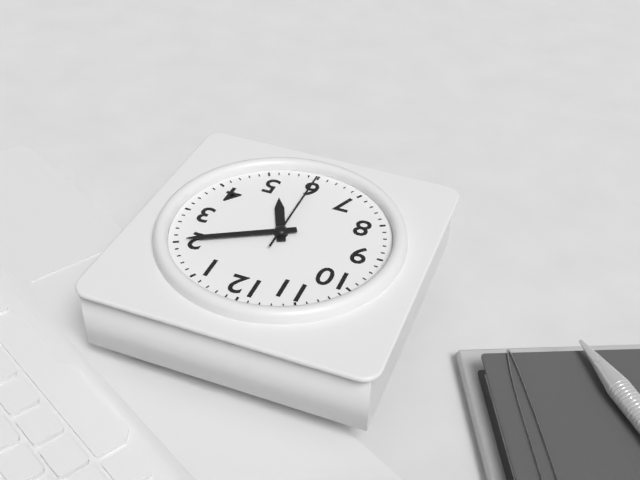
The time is 5:10:30
